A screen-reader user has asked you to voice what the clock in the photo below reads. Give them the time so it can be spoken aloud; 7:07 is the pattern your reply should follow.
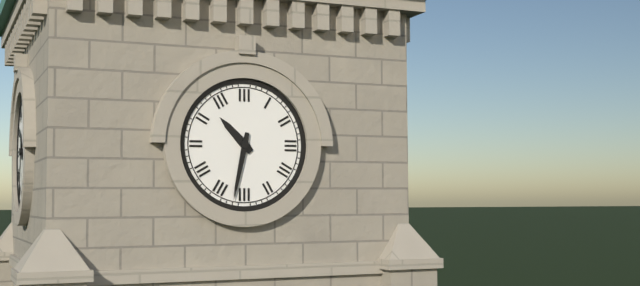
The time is 10:32
